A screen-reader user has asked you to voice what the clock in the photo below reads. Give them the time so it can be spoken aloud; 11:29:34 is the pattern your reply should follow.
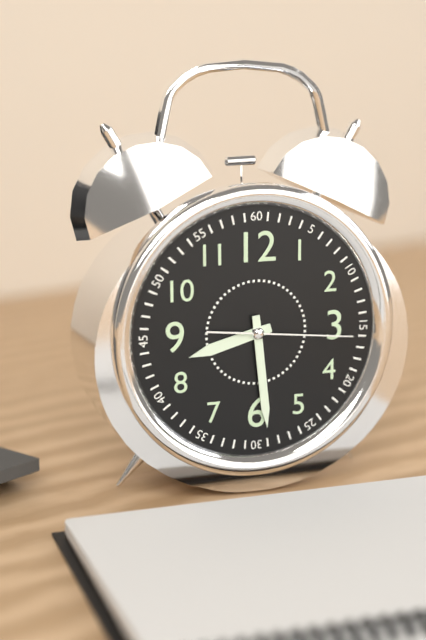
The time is 8:29:16
